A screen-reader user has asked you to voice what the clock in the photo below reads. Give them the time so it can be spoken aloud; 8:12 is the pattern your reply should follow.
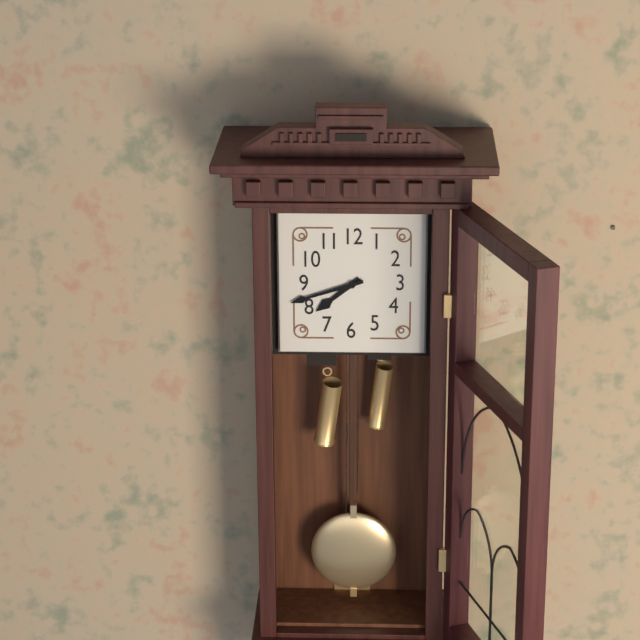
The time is 7:42
